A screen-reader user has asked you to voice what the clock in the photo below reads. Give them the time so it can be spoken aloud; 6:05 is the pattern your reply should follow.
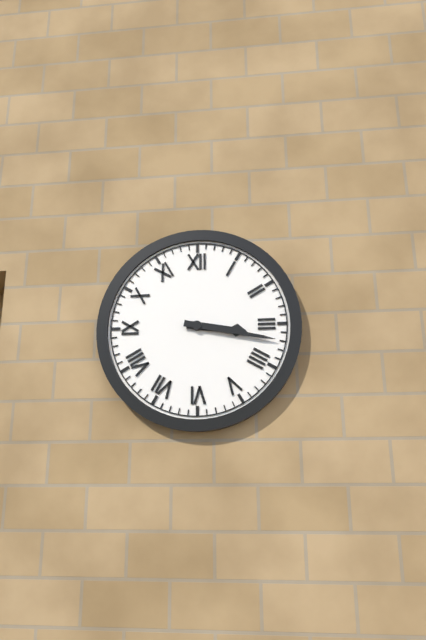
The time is 3:17
